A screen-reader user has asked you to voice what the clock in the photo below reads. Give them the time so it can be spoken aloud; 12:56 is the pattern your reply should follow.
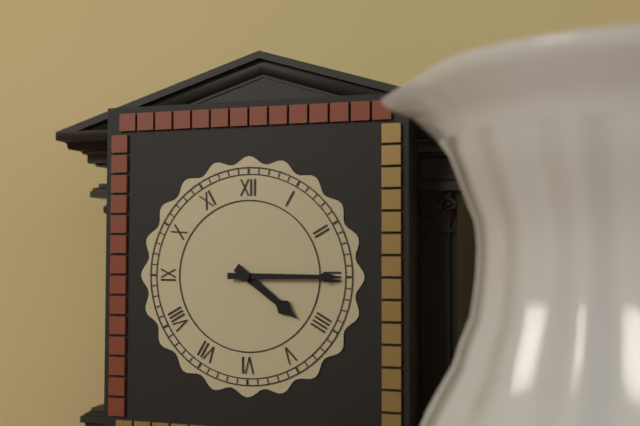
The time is 4:15
